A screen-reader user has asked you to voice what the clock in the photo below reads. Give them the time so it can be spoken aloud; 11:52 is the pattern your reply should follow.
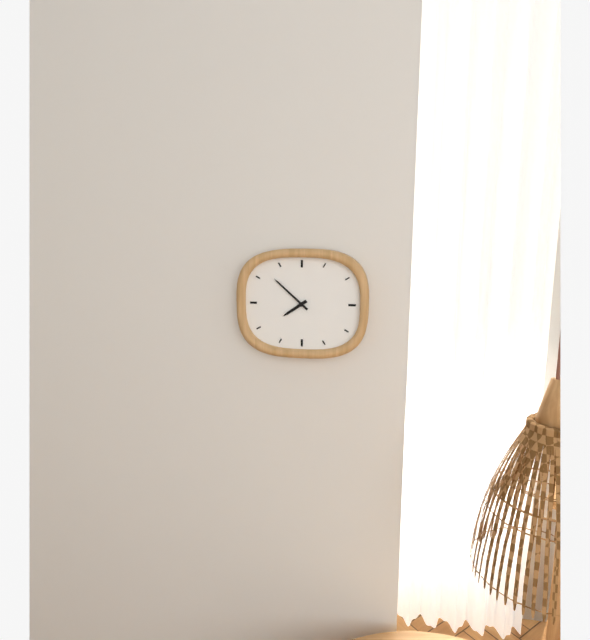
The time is 7:52
